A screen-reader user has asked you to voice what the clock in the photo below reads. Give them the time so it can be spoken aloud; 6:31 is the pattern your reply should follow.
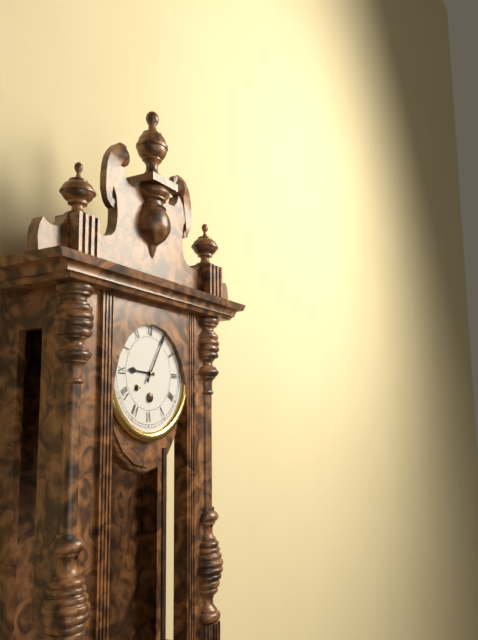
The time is 9:05
